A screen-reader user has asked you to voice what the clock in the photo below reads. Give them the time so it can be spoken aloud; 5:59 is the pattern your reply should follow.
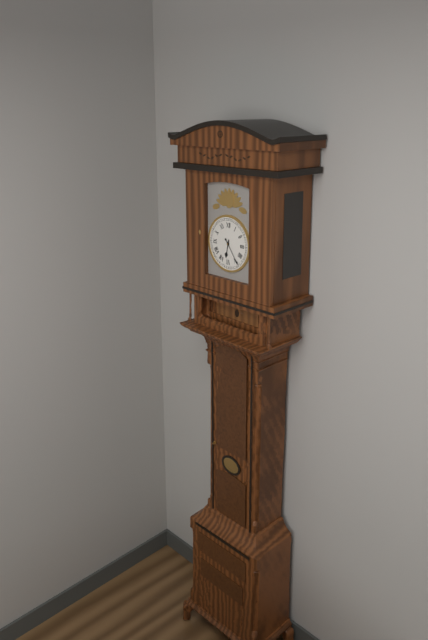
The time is 6:24
